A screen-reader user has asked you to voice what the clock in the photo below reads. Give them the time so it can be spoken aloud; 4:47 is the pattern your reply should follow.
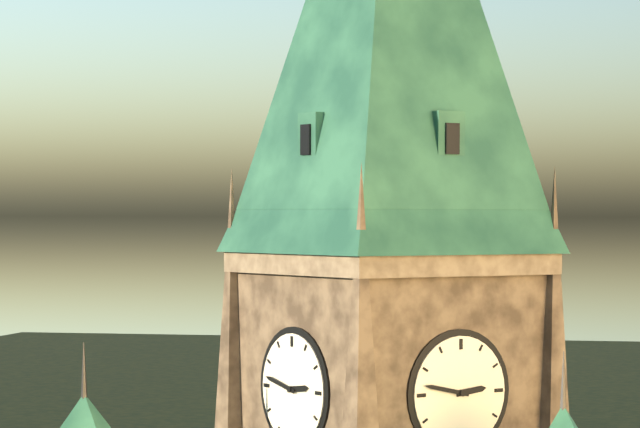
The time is 2:47
